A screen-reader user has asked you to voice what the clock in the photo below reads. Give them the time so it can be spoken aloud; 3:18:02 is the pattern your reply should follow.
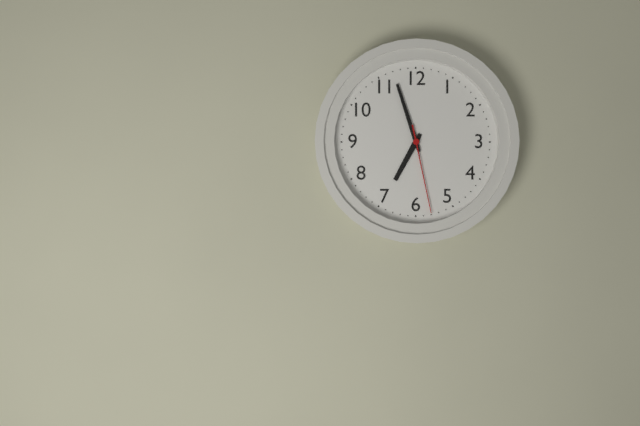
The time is 6:57:28
